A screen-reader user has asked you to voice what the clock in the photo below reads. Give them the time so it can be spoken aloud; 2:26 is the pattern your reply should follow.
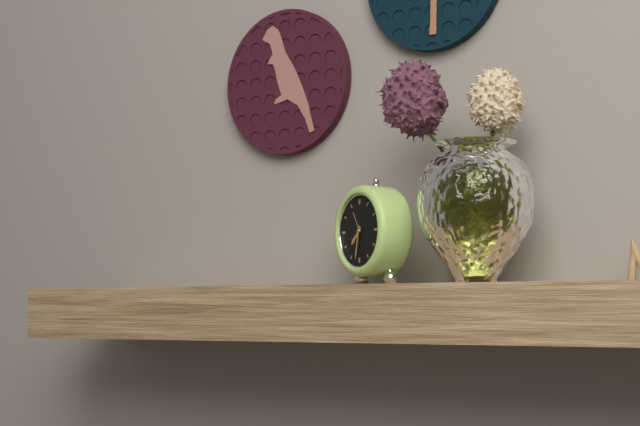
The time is 7:32
